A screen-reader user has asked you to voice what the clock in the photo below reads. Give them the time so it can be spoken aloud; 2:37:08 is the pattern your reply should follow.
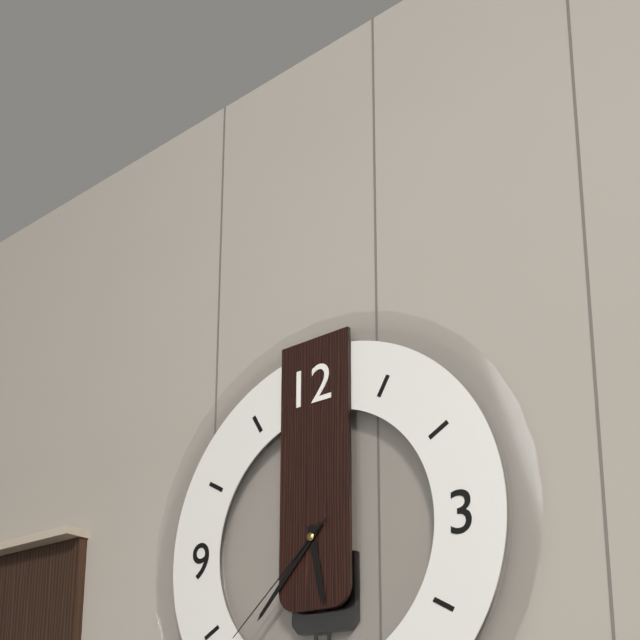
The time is 5:37:38
